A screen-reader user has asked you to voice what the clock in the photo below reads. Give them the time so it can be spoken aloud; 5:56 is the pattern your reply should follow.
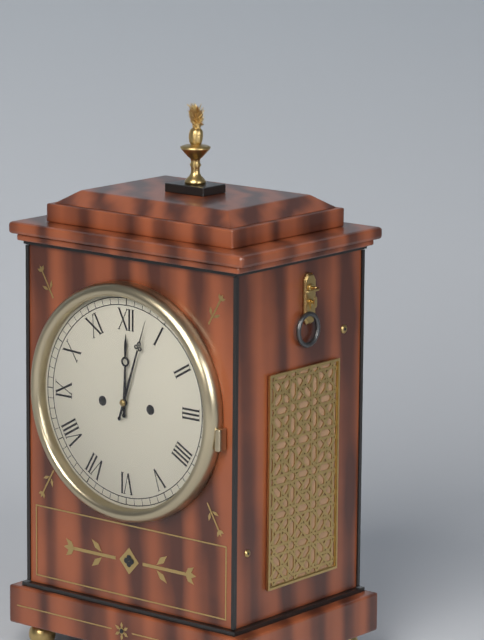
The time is 12:03
